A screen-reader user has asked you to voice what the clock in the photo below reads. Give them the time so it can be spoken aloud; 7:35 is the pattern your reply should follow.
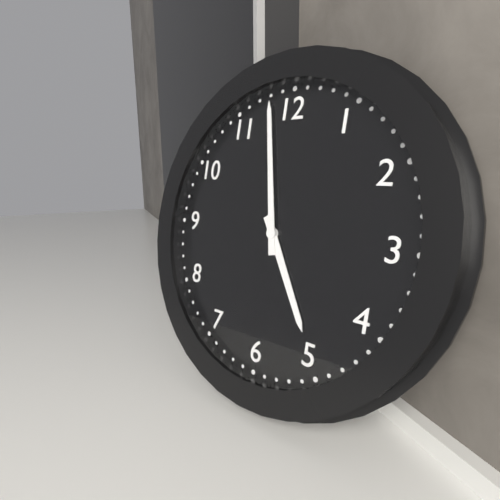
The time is 4:58
